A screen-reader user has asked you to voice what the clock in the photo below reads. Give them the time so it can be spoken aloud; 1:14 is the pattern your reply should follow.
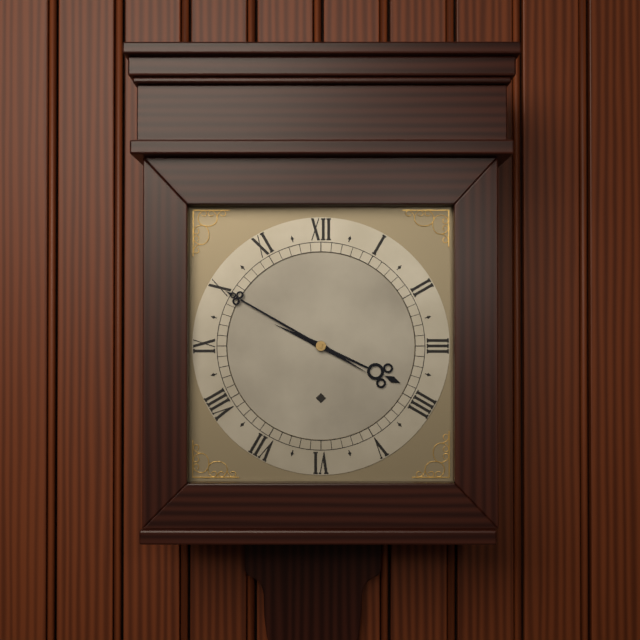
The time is 3:50
